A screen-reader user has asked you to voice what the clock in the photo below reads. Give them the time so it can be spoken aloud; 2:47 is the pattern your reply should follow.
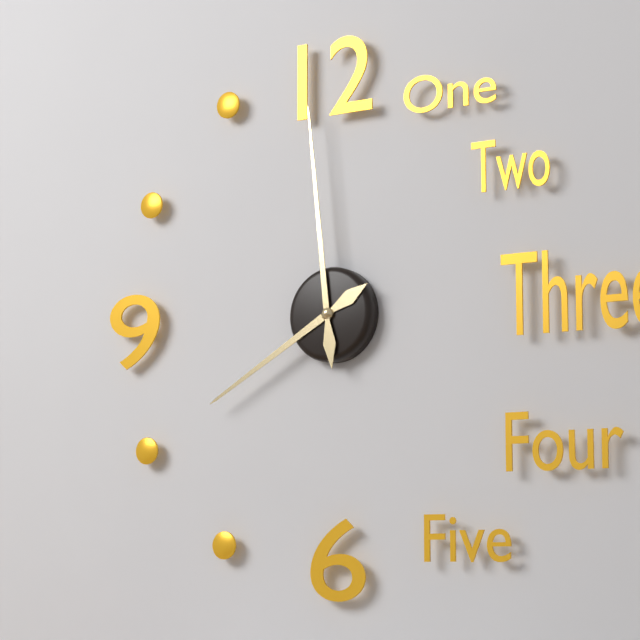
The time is 7:59
